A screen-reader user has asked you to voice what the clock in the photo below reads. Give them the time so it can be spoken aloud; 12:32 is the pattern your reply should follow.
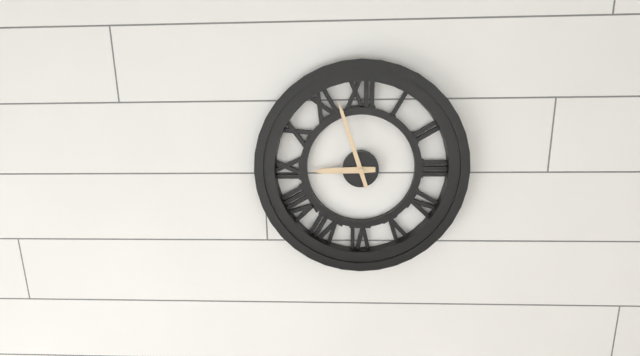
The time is 8:57
